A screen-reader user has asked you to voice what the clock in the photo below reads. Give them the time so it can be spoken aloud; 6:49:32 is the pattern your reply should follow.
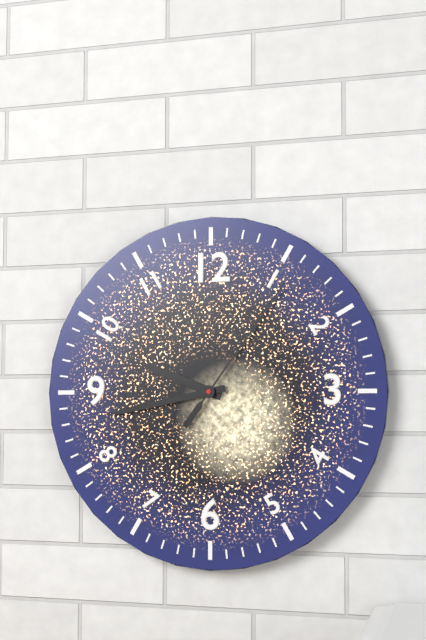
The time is 9:43:06
